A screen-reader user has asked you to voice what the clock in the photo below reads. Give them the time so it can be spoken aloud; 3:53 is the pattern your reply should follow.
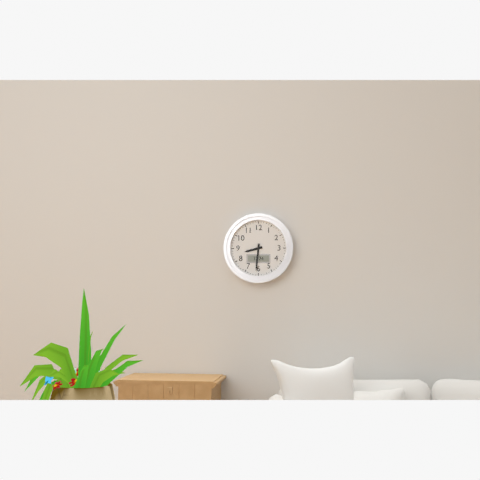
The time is 8:31
